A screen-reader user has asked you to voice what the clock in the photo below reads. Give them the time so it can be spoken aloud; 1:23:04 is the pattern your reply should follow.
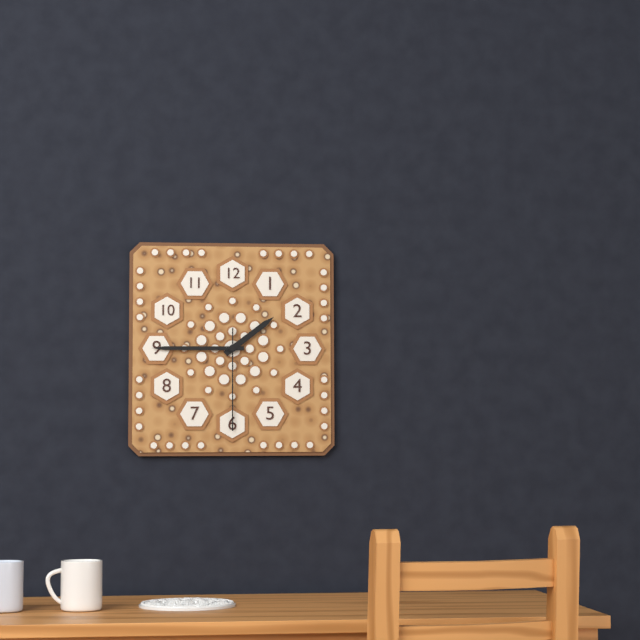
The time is 1:45:30
